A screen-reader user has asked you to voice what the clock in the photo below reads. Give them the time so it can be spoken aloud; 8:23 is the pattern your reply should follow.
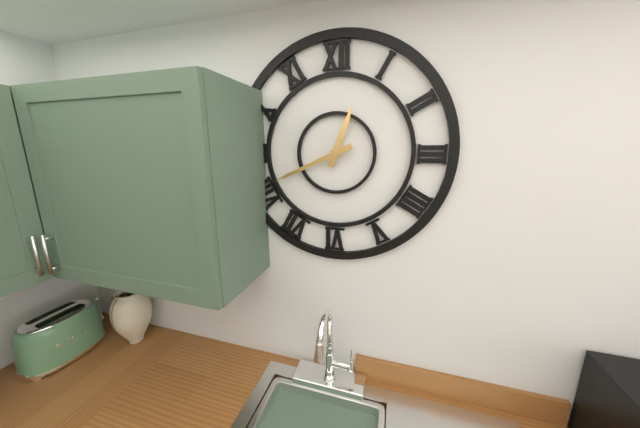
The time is 12:41
